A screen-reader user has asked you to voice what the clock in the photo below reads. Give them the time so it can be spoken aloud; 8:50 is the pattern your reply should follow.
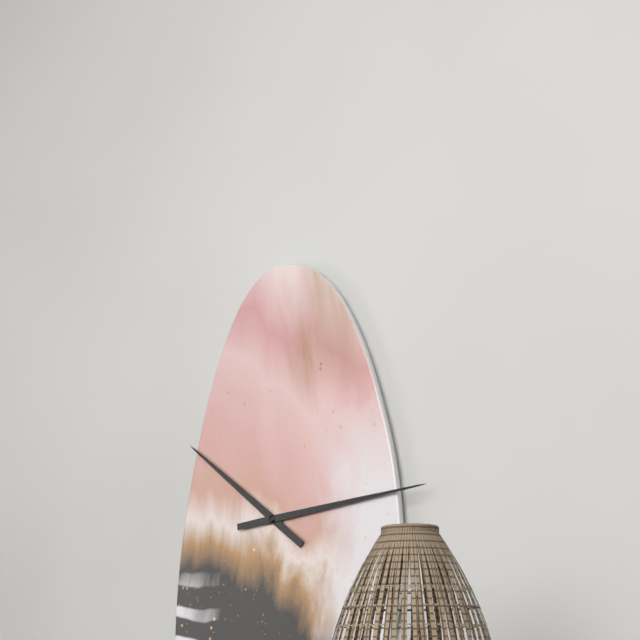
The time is 10:14
